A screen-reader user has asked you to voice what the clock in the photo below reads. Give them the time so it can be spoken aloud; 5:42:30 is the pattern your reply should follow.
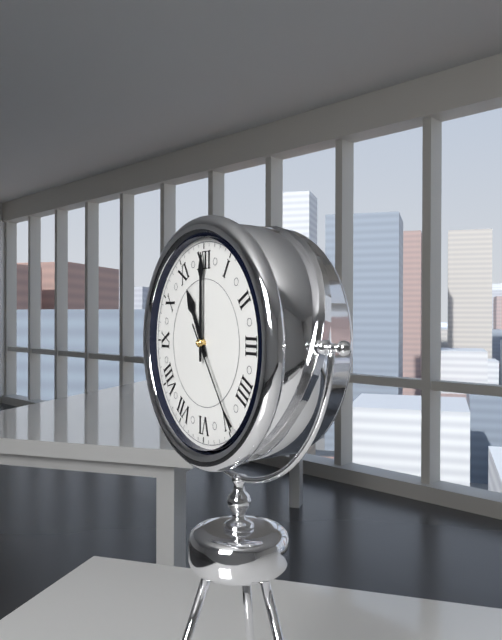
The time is 11:00:24
